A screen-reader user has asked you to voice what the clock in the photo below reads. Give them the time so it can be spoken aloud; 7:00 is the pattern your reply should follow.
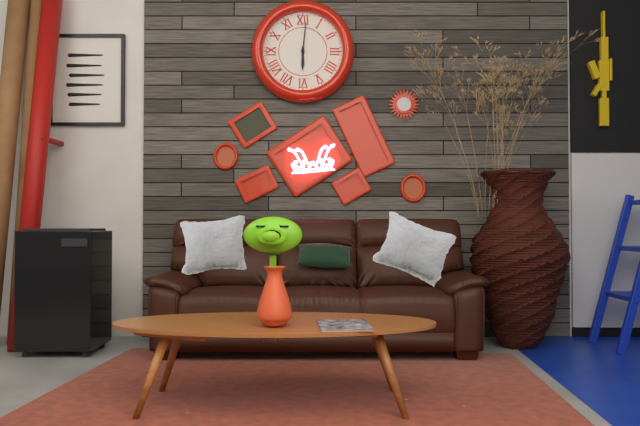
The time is 6:01
